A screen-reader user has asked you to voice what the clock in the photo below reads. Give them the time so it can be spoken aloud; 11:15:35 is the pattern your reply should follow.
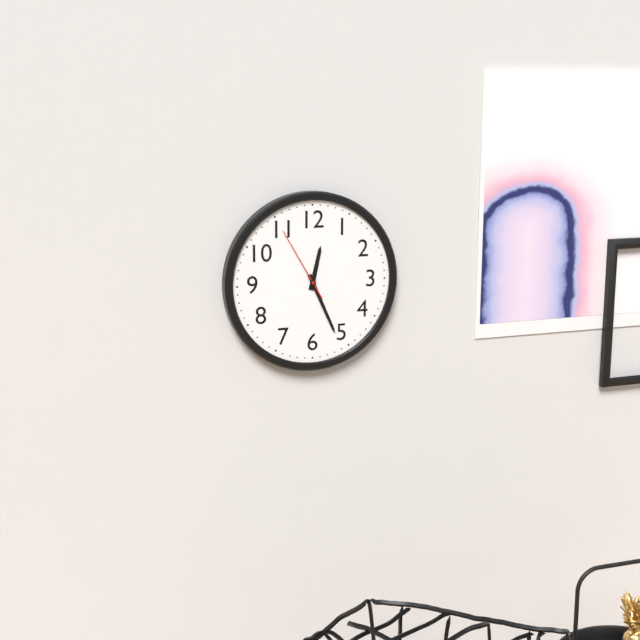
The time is 12:26:55
